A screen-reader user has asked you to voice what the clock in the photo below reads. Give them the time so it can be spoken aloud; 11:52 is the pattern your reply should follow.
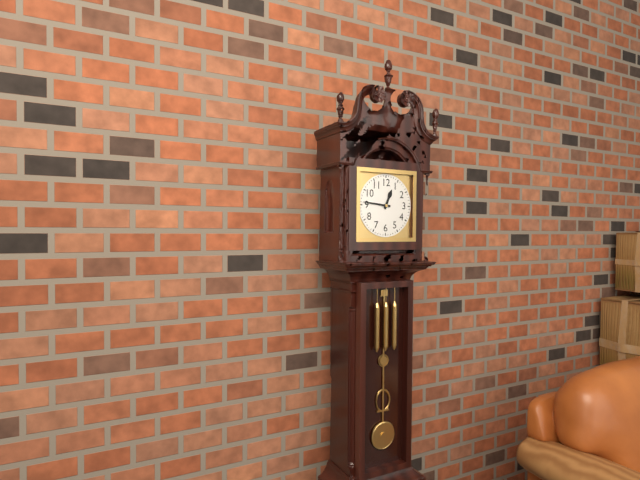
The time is 12:46
